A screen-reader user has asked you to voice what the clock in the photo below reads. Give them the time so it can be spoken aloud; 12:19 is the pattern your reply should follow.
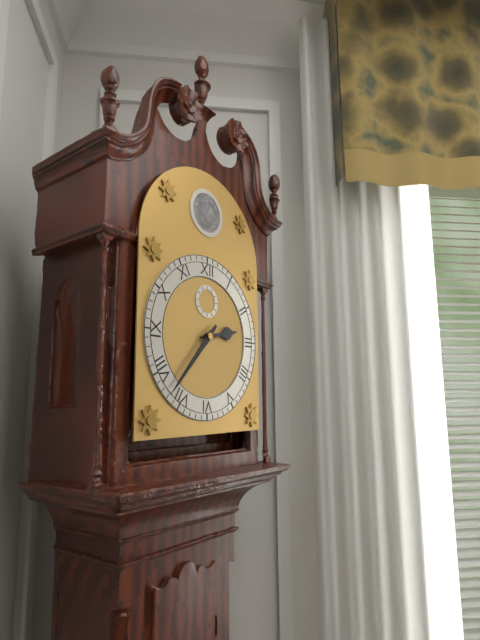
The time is 2:37
